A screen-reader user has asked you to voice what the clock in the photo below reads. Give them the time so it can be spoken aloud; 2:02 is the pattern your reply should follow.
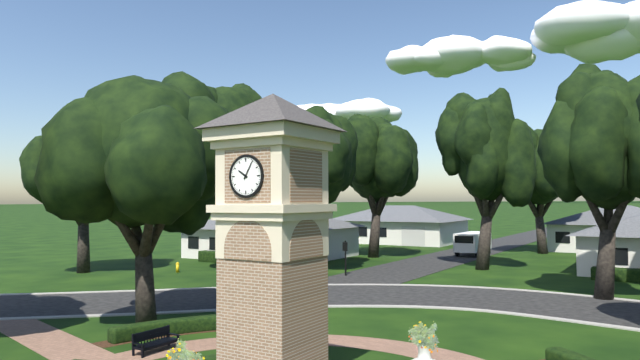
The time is 10:05
